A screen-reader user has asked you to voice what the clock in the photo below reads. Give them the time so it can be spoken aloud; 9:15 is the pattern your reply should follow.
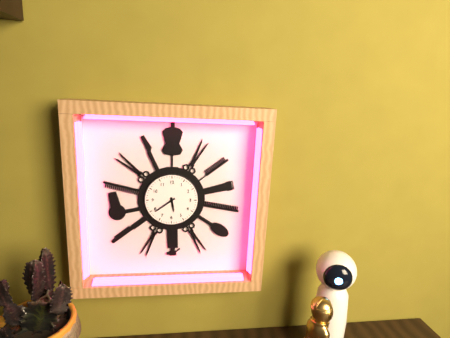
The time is 5:39
